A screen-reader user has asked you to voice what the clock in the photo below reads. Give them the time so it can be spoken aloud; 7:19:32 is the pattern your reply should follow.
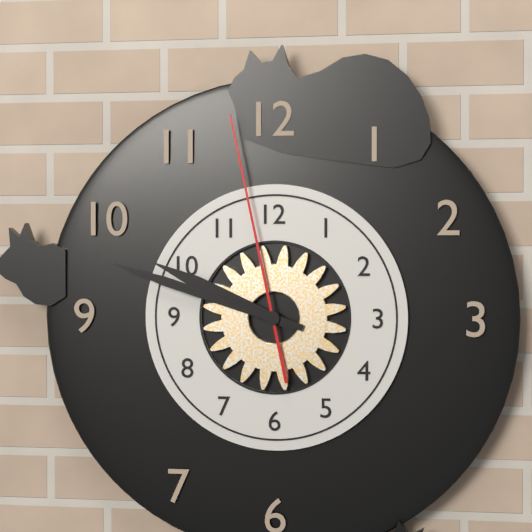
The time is 9:48:58
